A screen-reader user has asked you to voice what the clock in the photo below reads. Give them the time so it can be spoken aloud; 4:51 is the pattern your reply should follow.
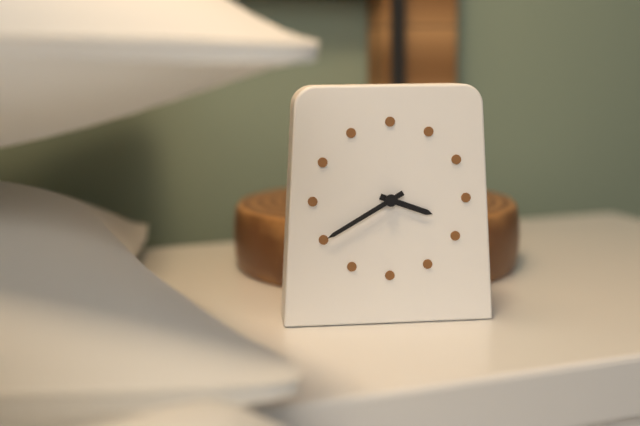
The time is 3:40
